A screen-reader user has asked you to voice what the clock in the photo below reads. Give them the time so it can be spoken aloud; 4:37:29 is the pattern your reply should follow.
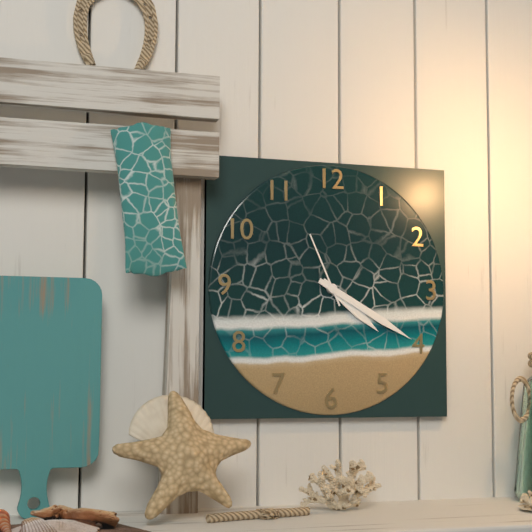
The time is 4:20:56
